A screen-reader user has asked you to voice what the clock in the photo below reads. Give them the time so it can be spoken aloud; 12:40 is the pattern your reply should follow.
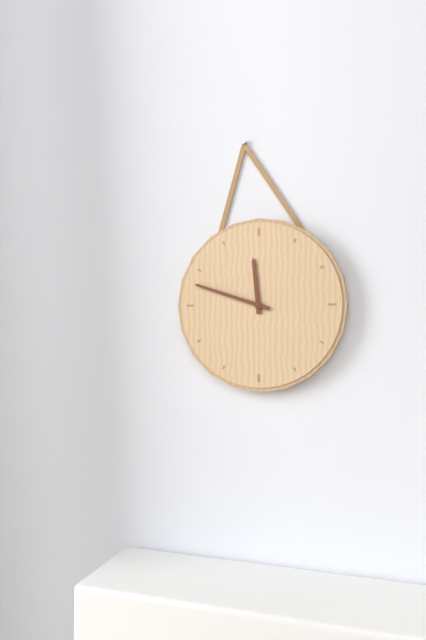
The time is 11:48
